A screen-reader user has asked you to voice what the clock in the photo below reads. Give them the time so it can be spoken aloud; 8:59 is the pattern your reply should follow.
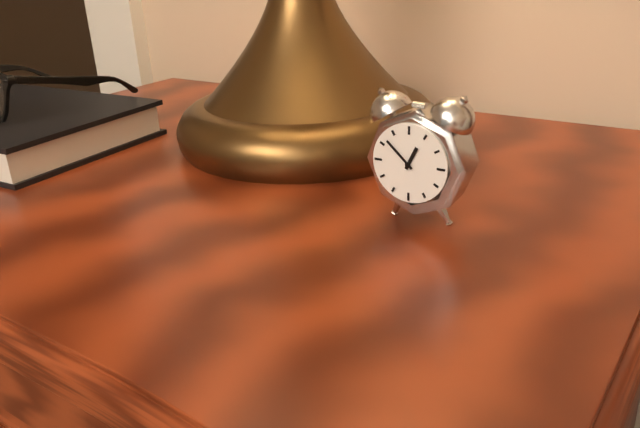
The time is 12:52
